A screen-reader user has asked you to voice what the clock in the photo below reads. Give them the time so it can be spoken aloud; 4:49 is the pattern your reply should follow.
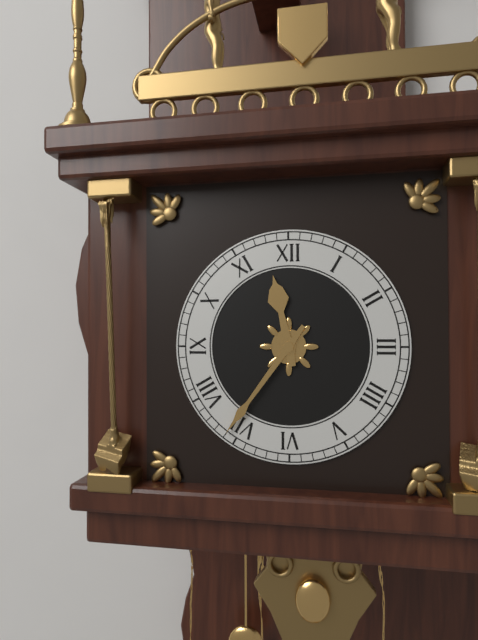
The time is 11:36
